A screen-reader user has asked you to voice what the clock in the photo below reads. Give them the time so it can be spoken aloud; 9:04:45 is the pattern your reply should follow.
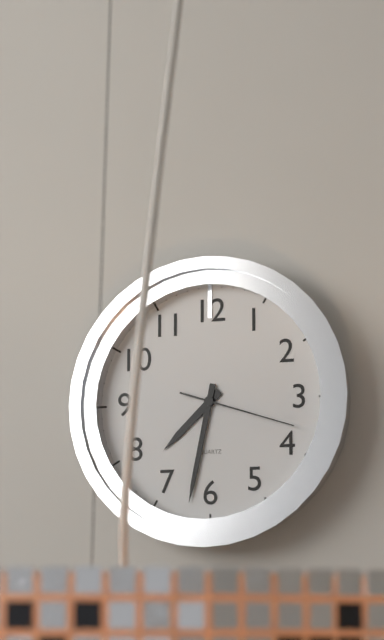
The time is 7:32:18
